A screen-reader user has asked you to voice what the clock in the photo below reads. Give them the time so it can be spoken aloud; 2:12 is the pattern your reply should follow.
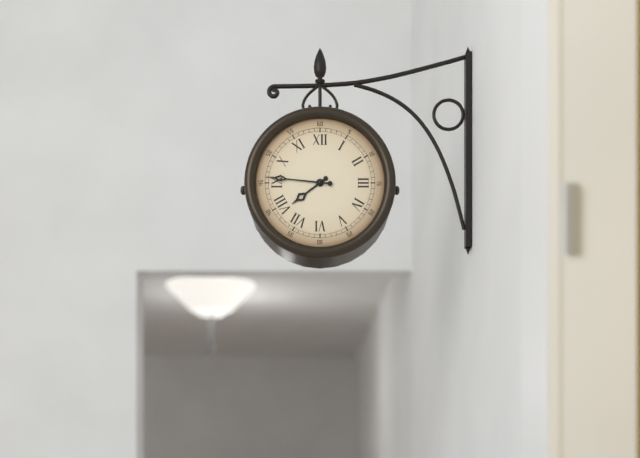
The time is 7:46
